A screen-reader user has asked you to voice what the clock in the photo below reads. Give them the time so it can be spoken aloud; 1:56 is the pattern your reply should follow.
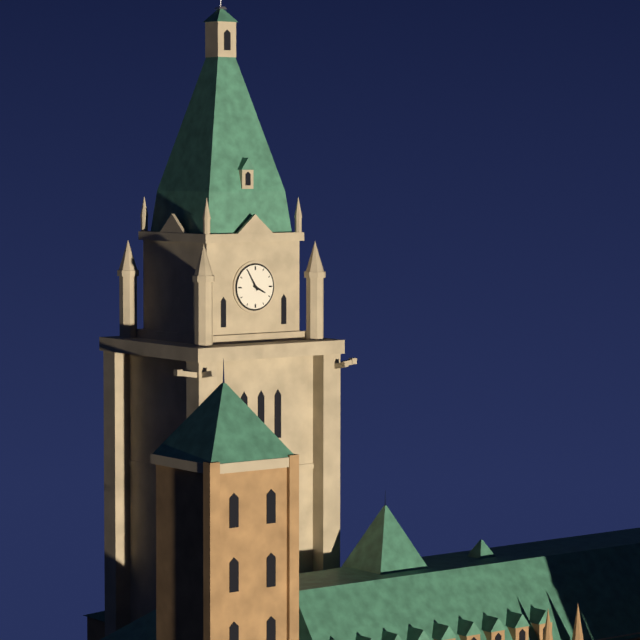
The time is 3:55
